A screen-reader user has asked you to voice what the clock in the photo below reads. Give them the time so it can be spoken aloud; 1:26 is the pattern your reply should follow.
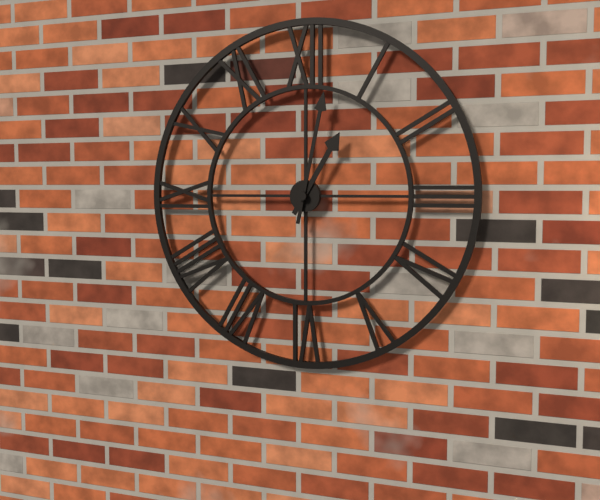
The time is 1:02
